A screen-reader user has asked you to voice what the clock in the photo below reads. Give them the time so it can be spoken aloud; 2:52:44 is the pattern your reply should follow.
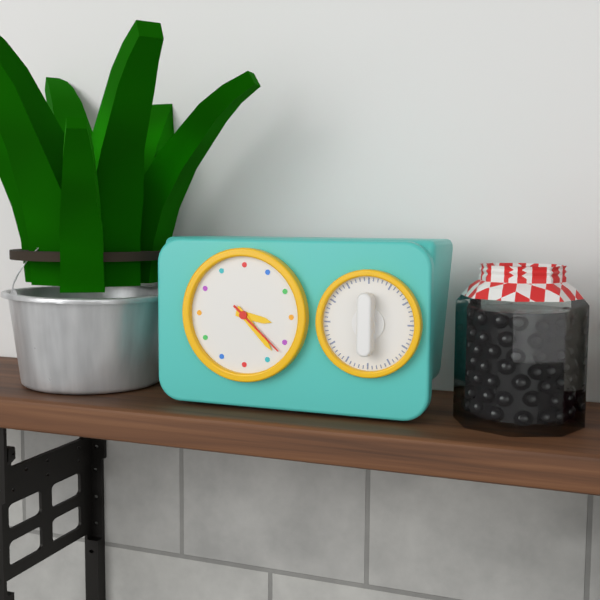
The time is 3:23:22
